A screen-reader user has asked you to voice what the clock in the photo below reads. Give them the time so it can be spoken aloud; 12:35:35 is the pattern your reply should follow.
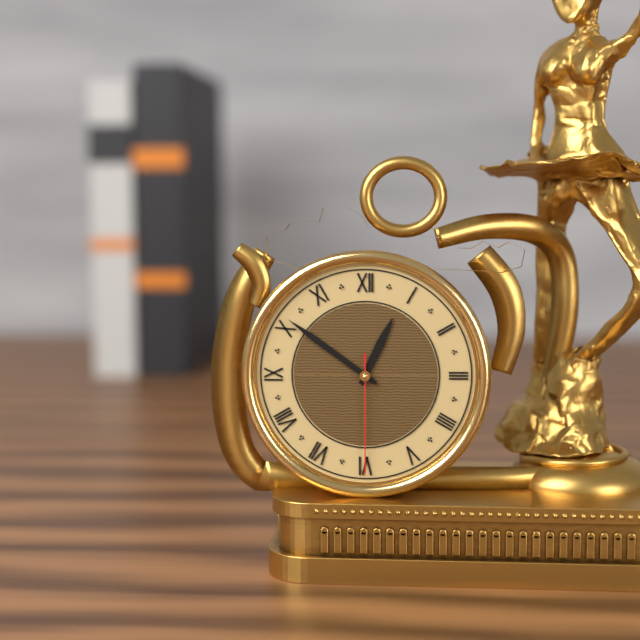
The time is 12:51:30
